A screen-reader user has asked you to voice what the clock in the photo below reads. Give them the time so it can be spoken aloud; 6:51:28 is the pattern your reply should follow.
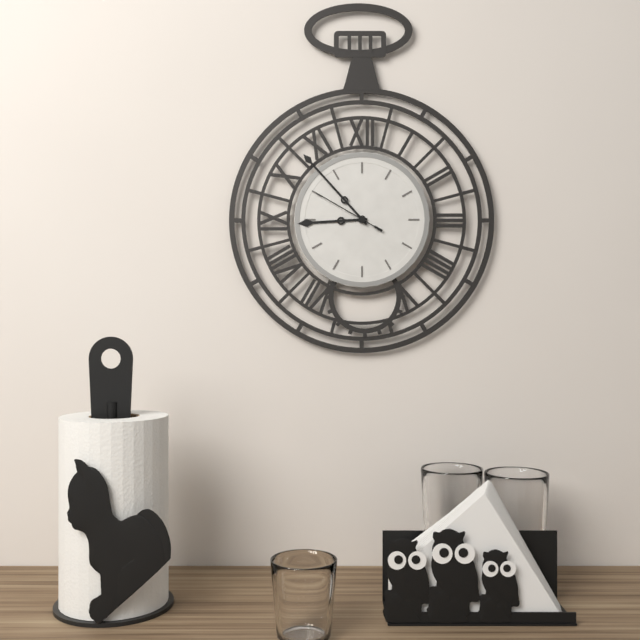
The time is 8:53:50
